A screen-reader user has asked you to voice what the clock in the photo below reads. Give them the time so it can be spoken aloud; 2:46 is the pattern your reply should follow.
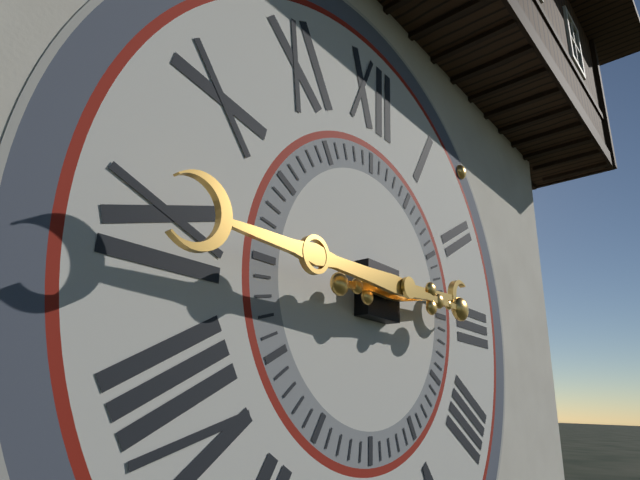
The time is 2:45
